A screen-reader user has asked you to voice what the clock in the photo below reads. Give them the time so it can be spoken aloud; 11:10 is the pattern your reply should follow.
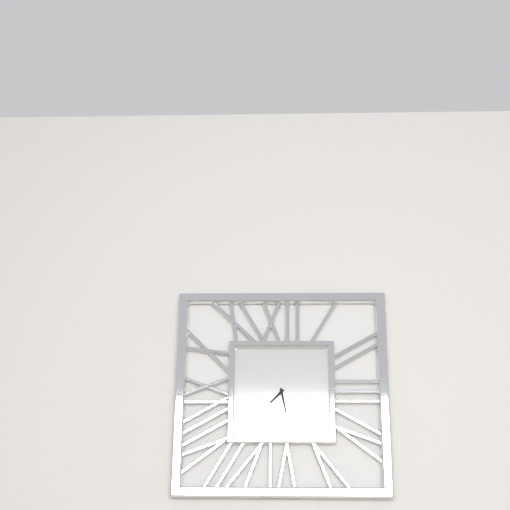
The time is 7:28
